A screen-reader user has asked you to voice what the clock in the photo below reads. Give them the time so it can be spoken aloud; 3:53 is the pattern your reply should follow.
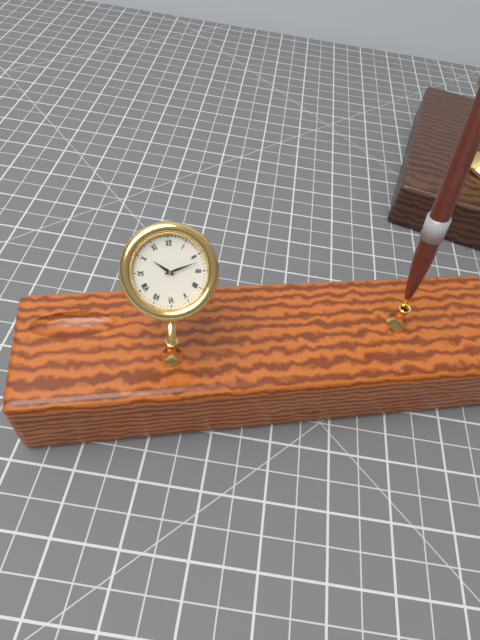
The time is 10:12
